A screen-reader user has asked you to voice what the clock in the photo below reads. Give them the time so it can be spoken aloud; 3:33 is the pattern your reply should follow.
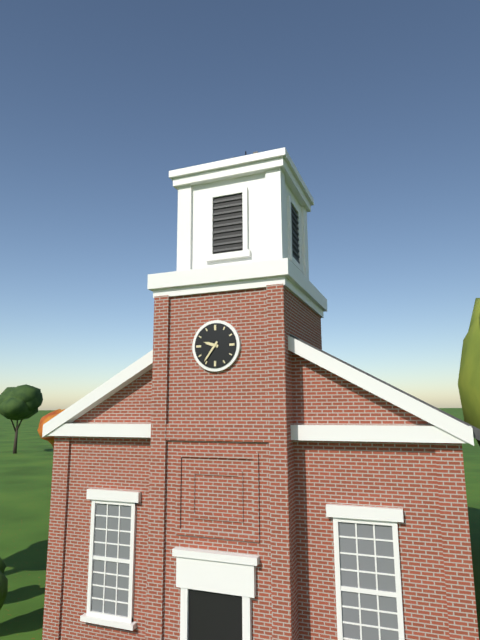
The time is 9:36
